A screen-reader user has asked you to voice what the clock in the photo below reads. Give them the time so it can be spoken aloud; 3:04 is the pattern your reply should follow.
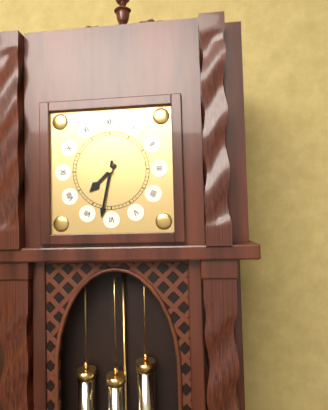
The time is 7:32
